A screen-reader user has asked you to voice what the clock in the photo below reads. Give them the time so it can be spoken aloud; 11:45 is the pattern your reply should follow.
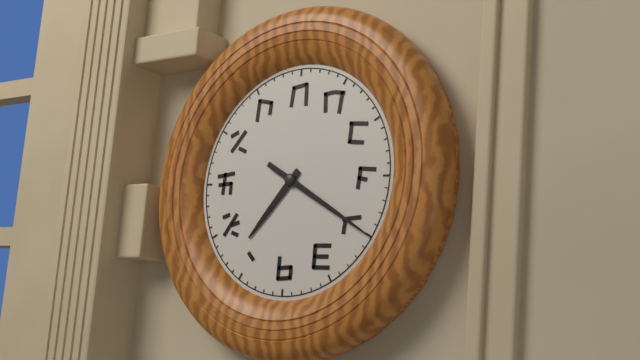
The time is 7:20
